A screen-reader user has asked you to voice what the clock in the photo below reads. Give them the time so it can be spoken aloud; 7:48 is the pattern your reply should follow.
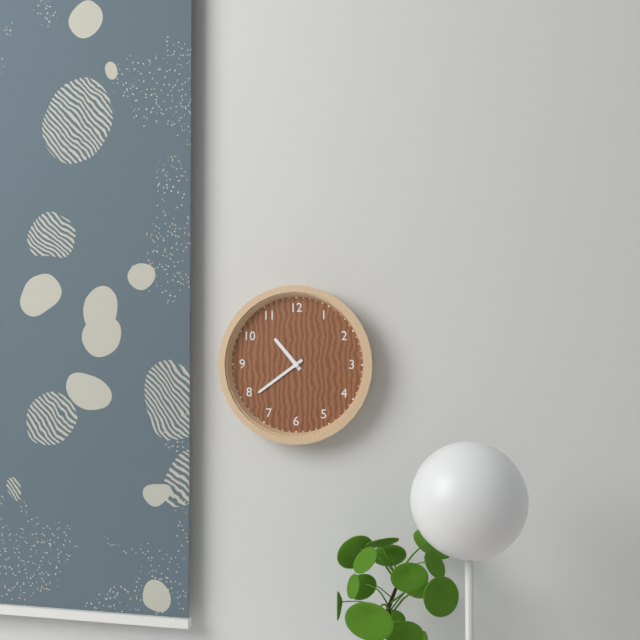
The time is 10:39
